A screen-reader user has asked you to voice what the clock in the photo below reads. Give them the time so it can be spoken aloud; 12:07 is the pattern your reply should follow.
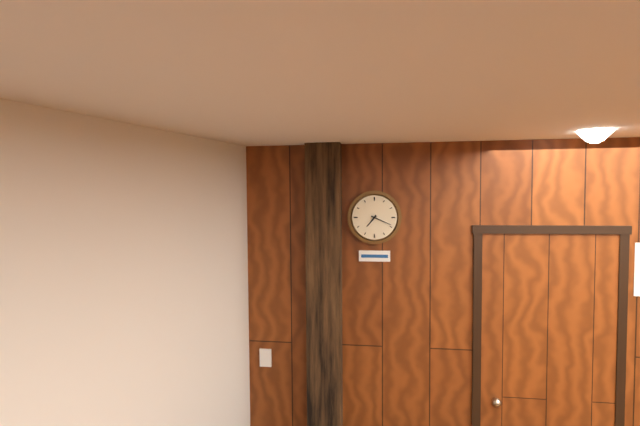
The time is 7:19
